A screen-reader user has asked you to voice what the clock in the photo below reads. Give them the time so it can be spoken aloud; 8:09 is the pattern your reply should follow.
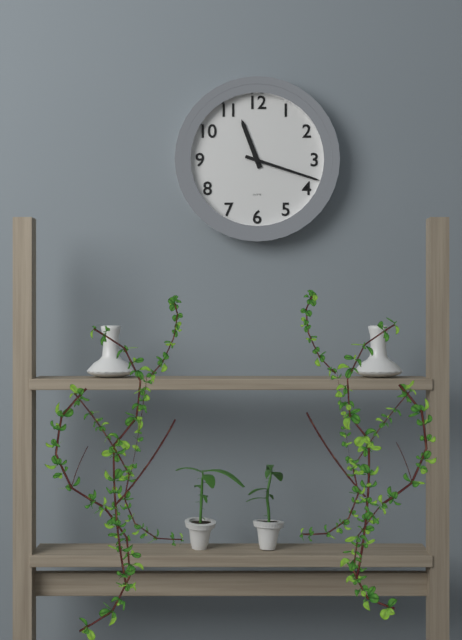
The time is 11:18
